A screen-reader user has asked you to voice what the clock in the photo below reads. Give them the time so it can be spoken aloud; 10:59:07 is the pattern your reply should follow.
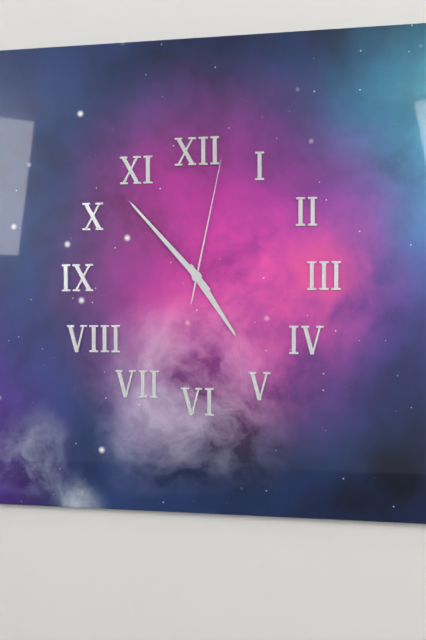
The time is 4:53:02
